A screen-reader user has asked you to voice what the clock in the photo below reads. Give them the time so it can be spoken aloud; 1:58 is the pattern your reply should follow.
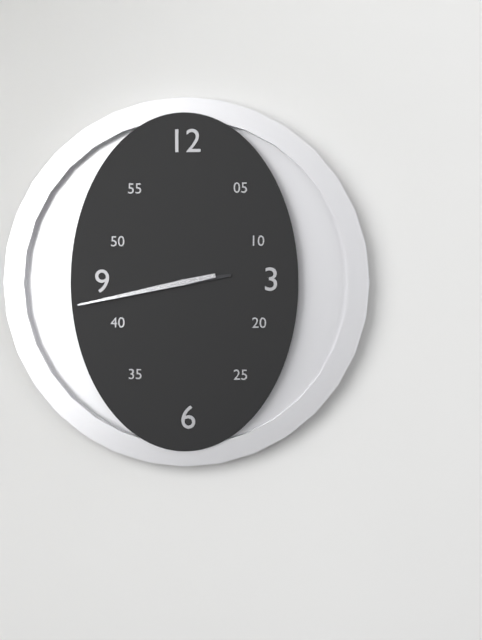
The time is 2:43
